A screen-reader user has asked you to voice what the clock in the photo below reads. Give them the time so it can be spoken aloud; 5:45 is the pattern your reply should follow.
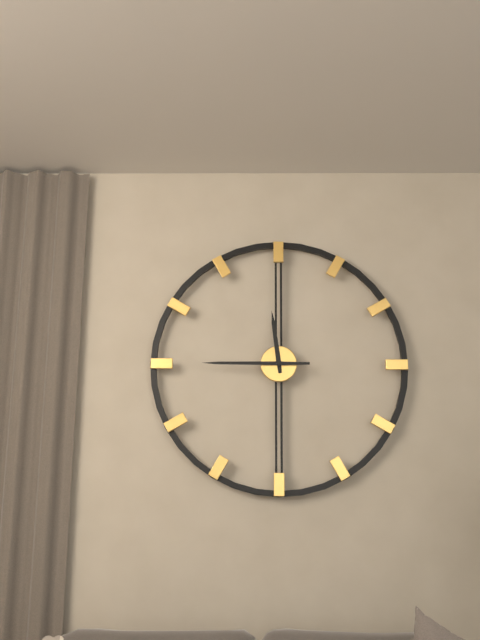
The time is 11:45
